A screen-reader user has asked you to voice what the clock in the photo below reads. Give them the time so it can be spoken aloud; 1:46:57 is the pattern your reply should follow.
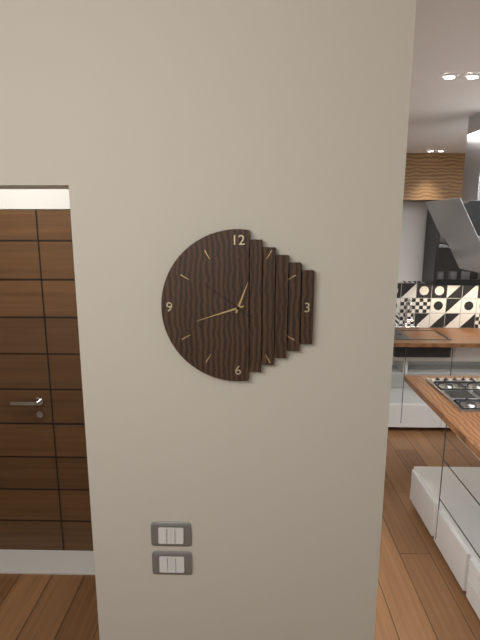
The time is 12:42:51
